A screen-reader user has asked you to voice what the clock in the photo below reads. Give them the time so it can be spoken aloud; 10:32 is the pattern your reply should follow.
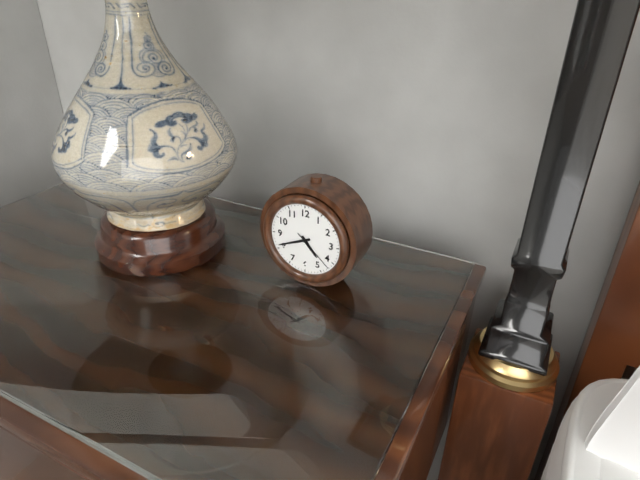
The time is 4:41
